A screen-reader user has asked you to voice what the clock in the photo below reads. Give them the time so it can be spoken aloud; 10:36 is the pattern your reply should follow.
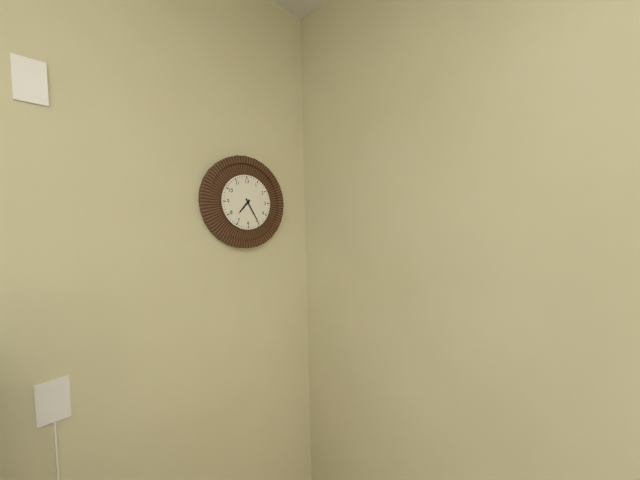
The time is 7:25
